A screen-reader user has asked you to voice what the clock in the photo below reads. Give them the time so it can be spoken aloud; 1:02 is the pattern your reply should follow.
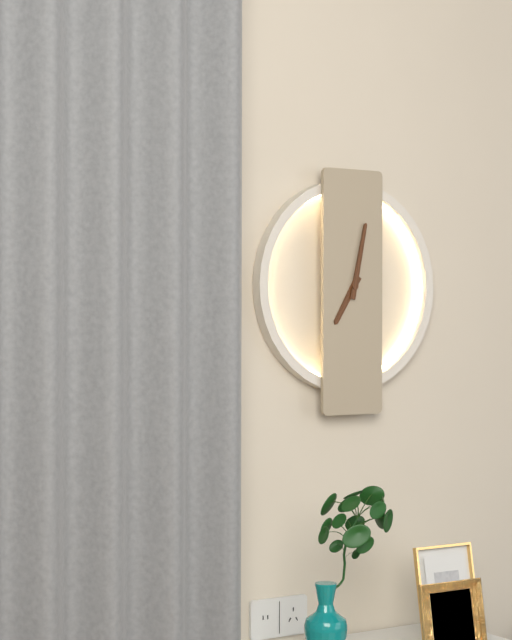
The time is 7:02
